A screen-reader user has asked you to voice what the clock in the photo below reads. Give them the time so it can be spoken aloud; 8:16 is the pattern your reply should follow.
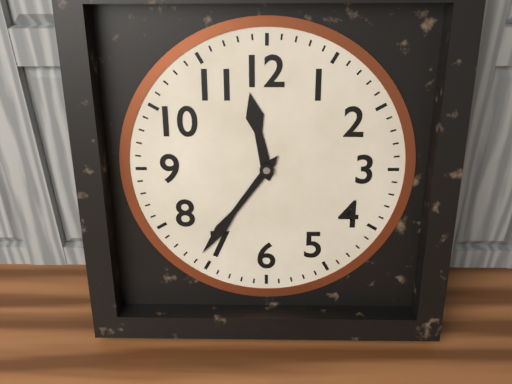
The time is 11:36
